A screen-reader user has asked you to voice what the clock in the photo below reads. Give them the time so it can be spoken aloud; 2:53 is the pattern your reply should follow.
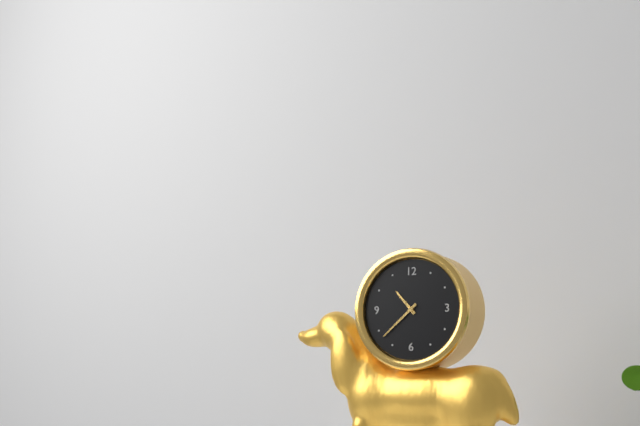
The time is 10:38
